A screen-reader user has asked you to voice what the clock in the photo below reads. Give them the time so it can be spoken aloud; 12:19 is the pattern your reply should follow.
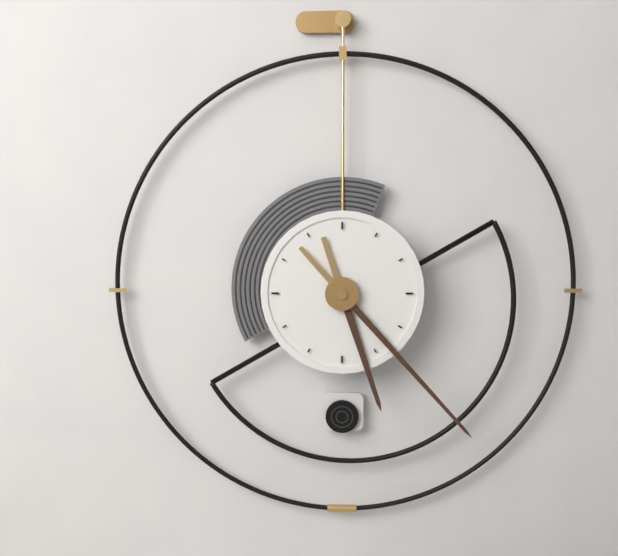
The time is 5:23
